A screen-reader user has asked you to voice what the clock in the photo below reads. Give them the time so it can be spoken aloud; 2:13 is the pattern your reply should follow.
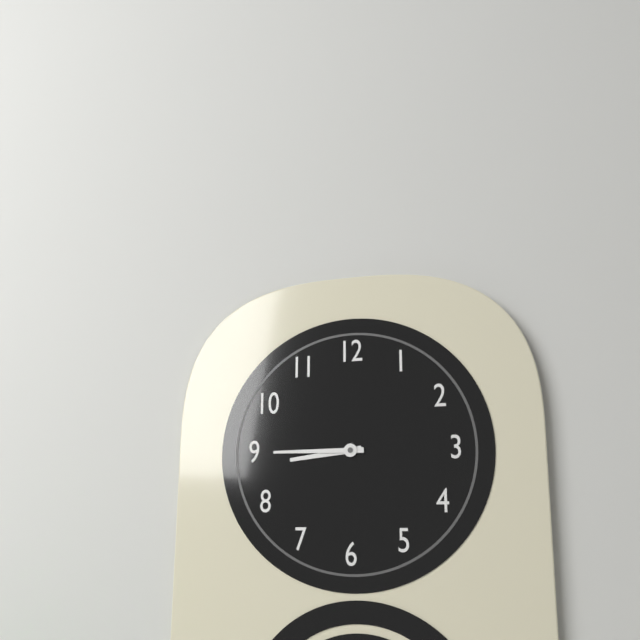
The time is 8:45
